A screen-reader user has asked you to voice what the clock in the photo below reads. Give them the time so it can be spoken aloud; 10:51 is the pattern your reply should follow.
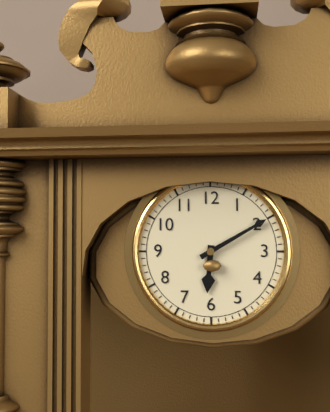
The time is 6:10
